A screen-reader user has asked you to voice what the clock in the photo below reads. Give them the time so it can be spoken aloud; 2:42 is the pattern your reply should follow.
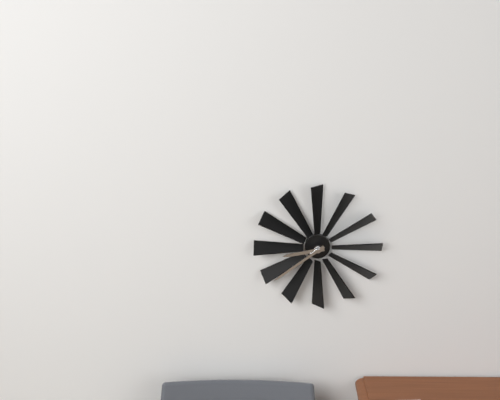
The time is 8:39
